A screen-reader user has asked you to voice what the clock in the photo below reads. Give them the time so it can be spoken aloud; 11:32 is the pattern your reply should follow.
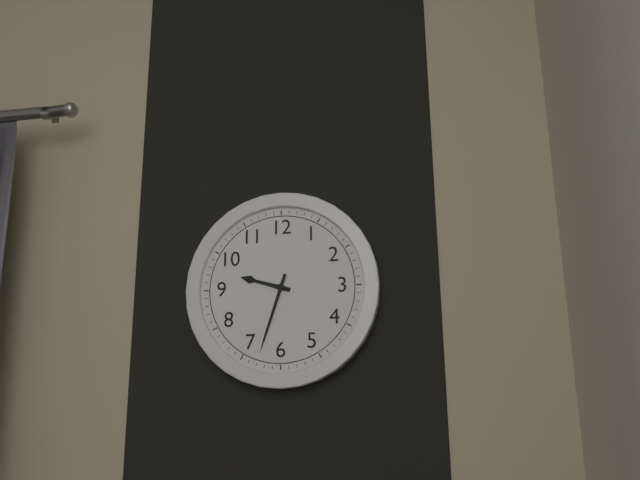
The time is 9:33
